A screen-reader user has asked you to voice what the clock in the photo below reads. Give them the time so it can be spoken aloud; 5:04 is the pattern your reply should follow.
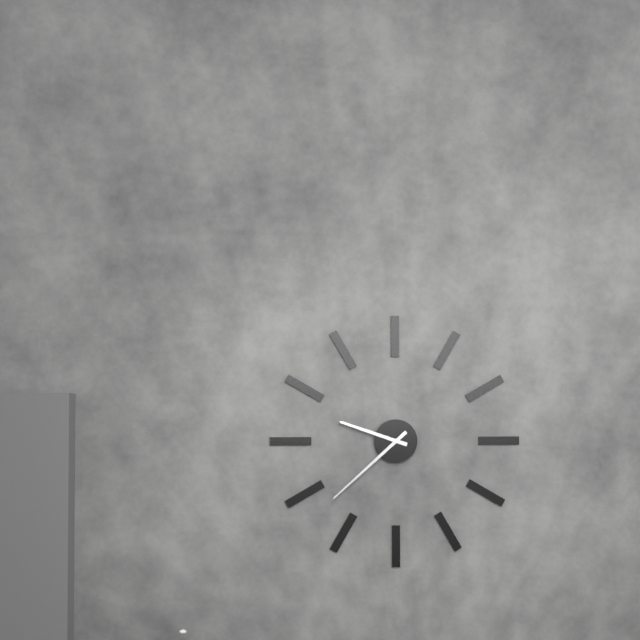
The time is 9:38
